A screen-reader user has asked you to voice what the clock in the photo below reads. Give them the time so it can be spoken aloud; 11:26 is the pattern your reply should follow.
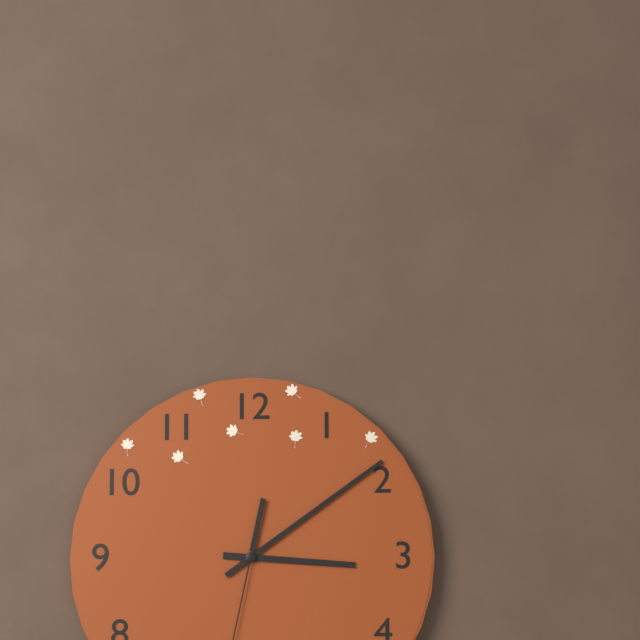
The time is 3:09
